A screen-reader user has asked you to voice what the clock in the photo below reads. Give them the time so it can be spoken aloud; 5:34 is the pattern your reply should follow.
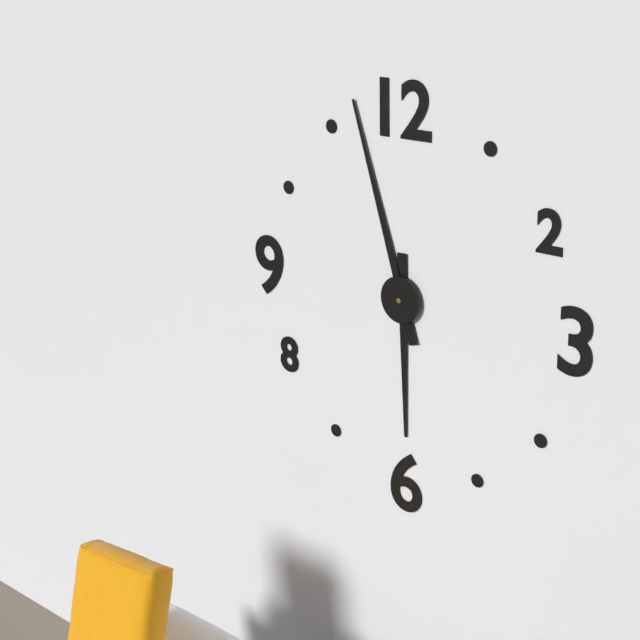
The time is 5:57
